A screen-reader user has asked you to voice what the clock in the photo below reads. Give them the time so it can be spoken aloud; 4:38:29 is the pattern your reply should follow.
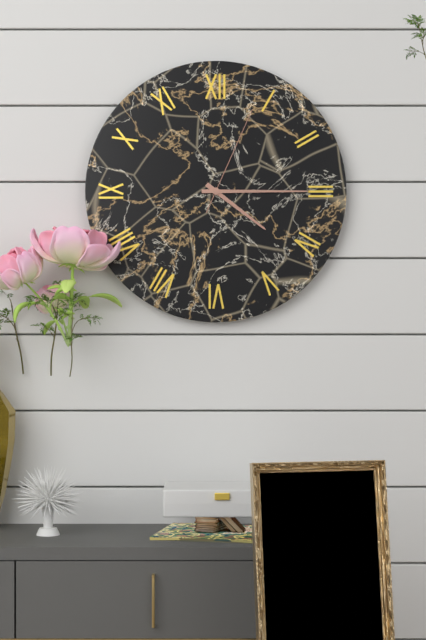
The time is 4:15:04
